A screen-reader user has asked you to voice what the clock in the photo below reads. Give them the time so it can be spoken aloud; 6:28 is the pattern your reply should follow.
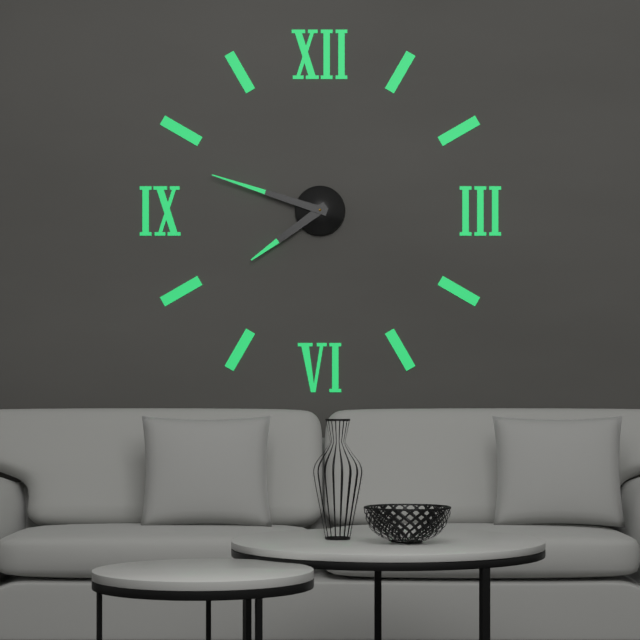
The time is 7:48
